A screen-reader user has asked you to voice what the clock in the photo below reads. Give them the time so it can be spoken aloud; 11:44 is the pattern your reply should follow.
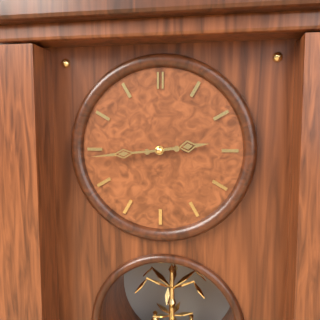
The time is 2:44
